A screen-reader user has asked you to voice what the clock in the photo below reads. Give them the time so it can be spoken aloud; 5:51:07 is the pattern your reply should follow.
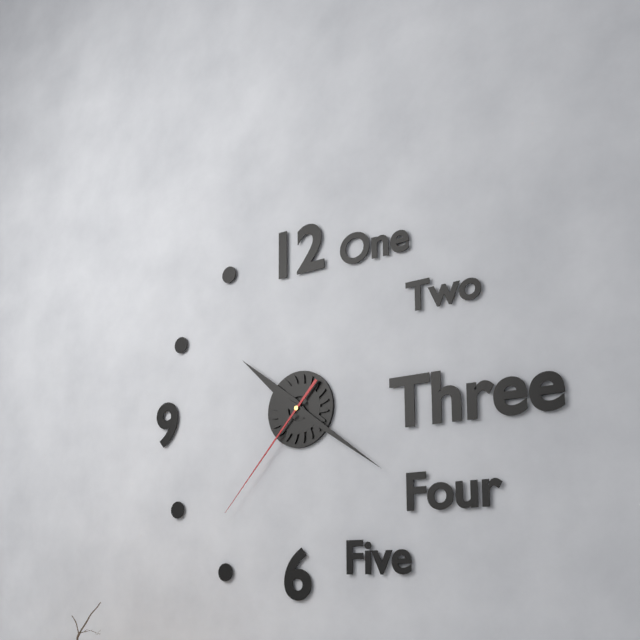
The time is 10:21:37
